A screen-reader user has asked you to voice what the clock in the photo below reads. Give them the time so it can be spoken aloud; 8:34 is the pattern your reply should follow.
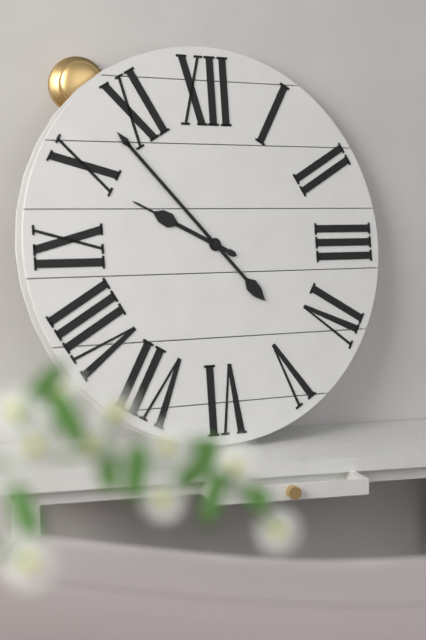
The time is 9:53
